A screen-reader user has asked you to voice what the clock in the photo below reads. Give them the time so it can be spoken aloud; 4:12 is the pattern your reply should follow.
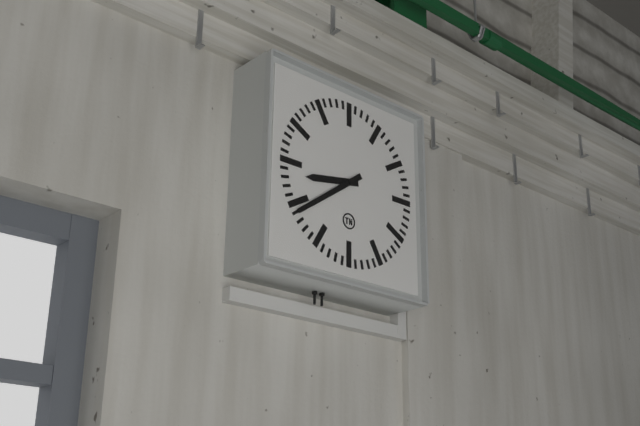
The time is 8:39
